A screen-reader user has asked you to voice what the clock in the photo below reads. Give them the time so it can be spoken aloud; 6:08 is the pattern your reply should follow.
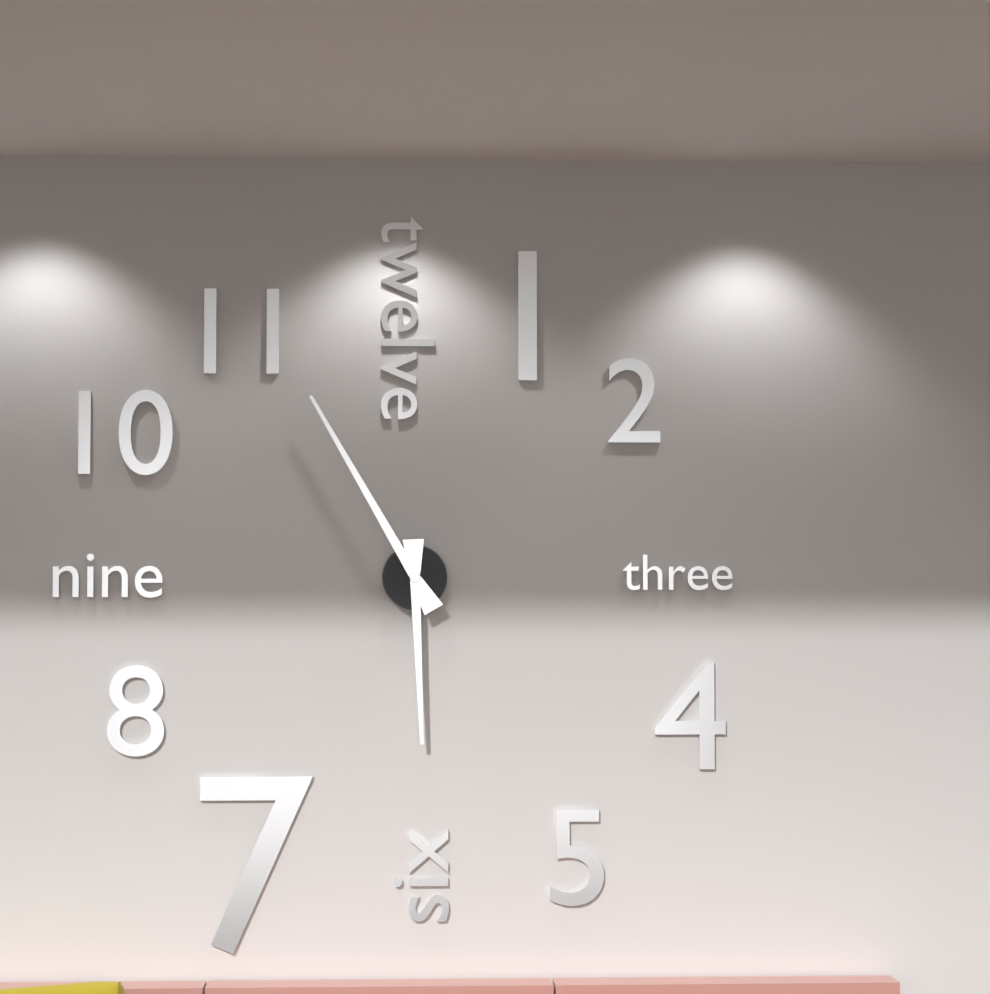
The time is 5:55
